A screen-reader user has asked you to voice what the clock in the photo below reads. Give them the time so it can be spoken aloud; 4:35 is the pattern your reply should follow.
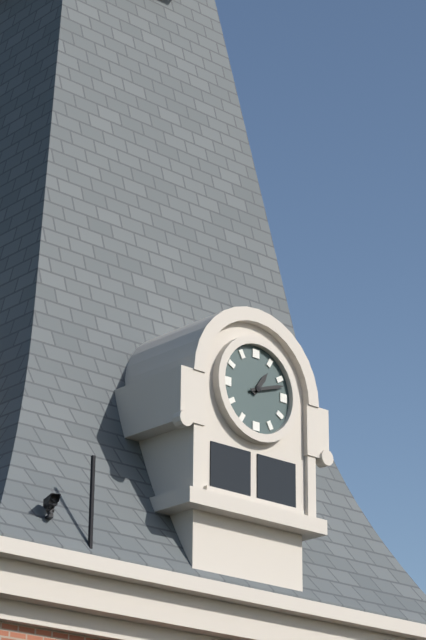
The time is 1:12
